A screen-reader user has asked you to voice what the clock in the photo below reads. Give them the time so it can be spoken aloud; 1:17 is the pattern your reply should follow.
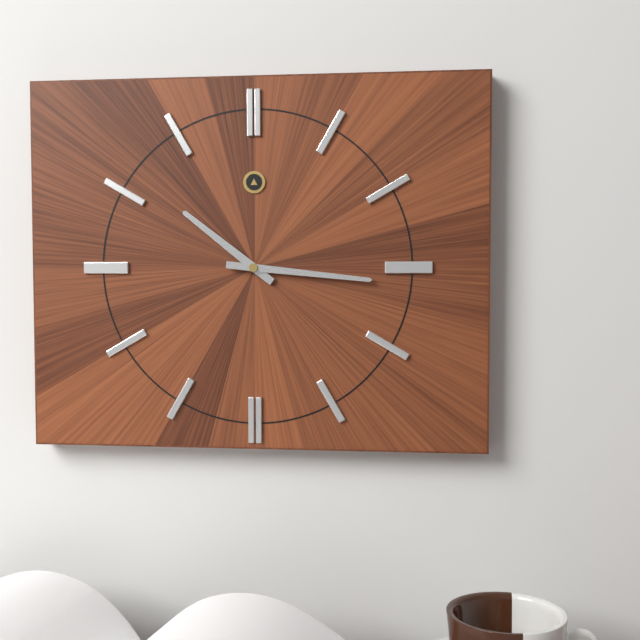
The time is 10:16
